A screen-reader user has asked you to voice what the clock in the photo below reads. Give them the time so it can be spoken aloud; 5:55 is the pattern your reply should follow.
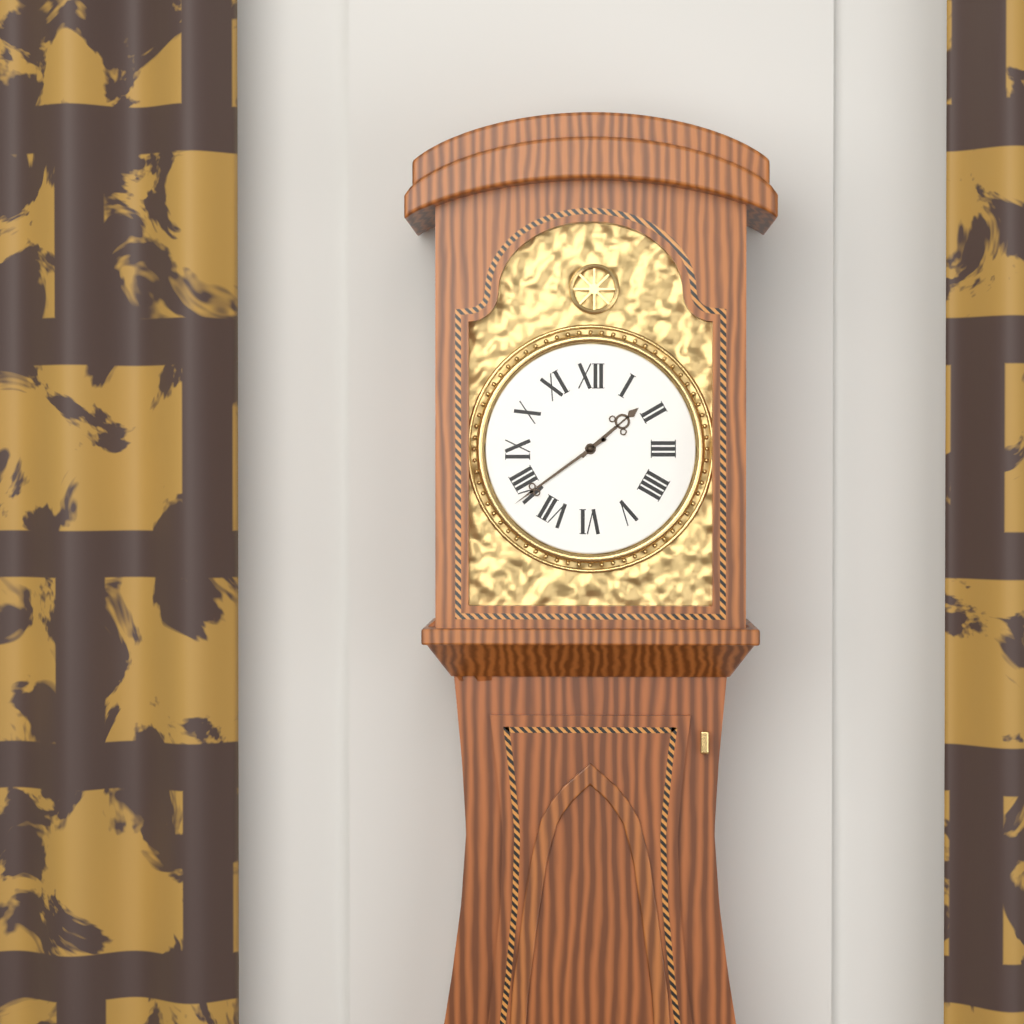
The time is 1:39
